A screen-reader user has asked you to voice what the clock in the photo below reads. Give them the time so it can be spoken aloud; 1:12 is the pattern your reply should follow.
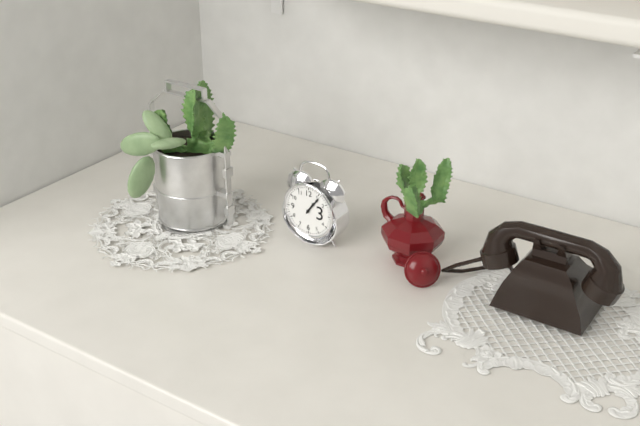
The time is 1:06
